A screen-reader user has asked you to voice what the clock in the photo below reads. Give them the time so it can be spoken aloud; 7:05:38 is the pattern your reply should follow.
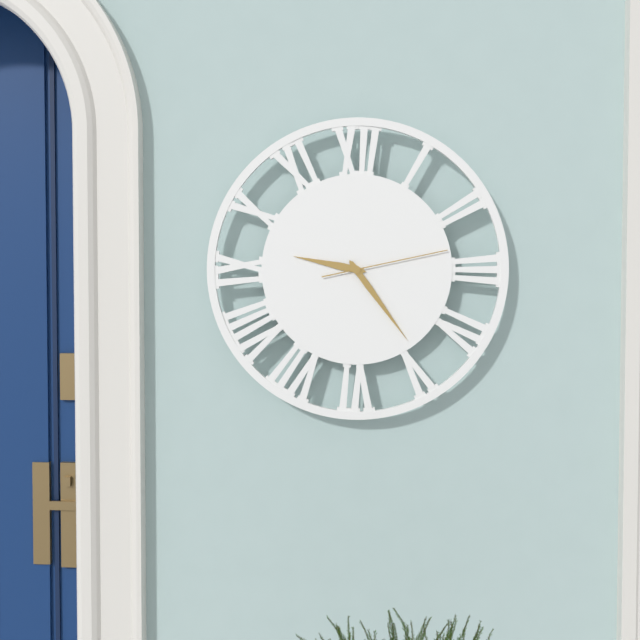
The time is 9:24:13
